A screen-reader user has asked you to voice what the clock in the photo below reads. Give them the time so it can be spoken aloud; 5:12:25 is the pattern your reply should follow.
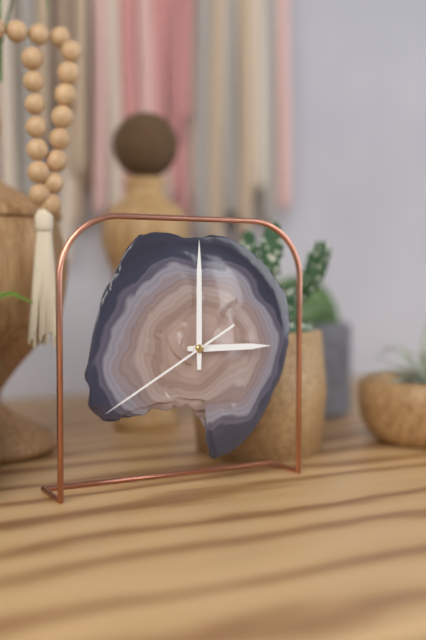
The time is 3:00:40
